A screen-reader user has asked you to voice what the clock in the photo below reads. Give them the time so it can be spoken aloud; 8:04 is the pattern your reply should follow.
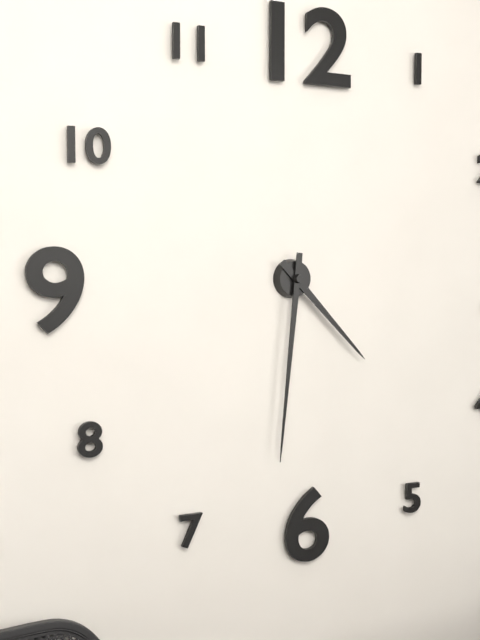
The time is 4:31
